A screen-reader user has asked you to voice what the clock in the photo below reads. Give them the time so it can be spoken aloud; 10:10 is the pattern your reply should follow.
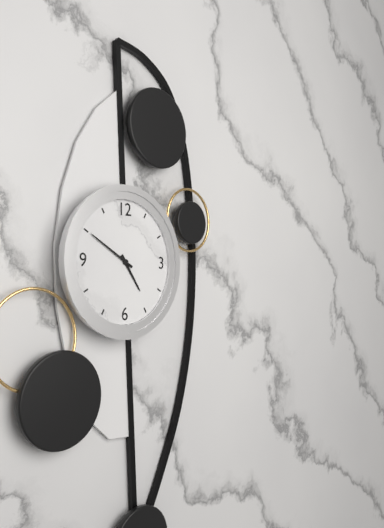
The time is 4:50
